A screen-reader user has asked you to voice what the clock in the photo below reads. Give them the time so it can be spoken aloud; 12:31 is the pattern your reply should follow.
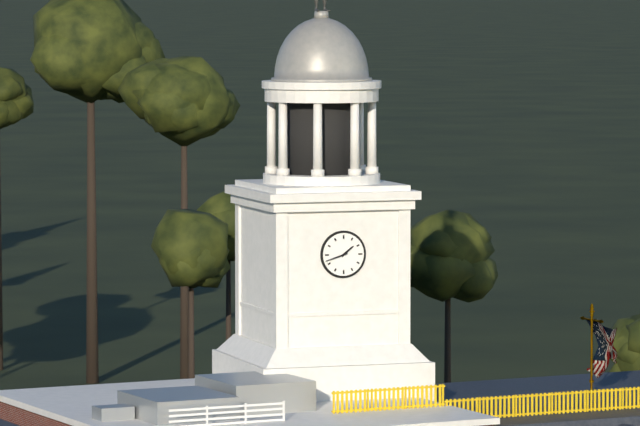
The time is 1:42
